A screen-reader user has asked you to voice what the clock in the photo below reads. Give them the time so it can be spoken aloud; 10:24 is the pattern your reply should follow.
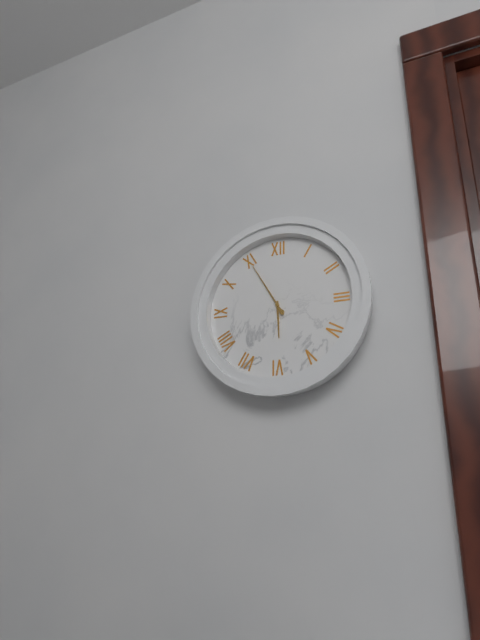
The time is 5:55
